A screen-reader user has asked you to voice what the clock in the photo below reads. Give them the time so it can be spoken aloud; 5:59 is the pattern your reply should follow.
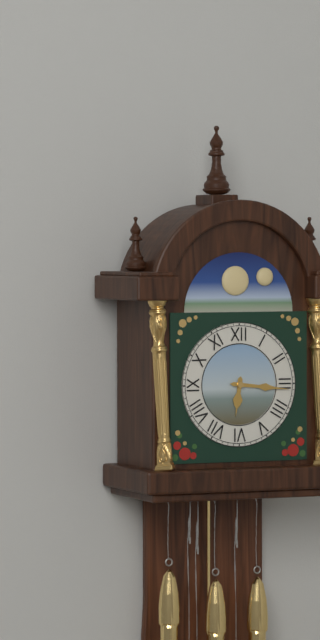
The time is 6:16
